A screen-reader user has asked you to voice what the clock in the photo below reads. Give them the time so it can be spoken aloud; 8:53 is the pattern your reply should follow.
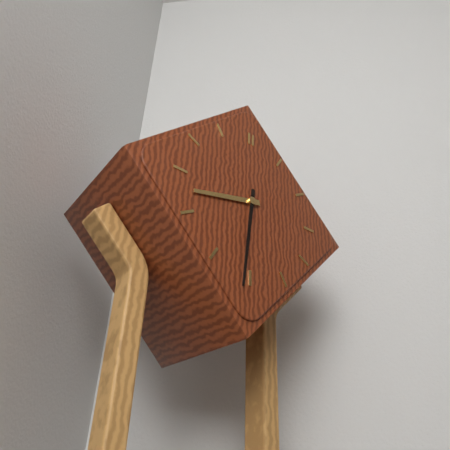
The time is 8:31
